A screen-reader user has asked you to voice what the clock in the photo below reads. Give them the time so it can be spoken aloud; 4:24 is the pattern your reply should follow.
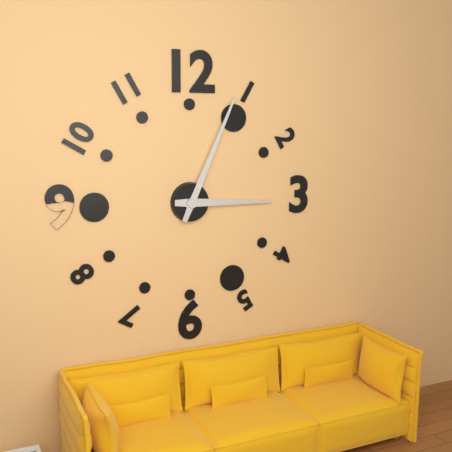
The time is 3:04
